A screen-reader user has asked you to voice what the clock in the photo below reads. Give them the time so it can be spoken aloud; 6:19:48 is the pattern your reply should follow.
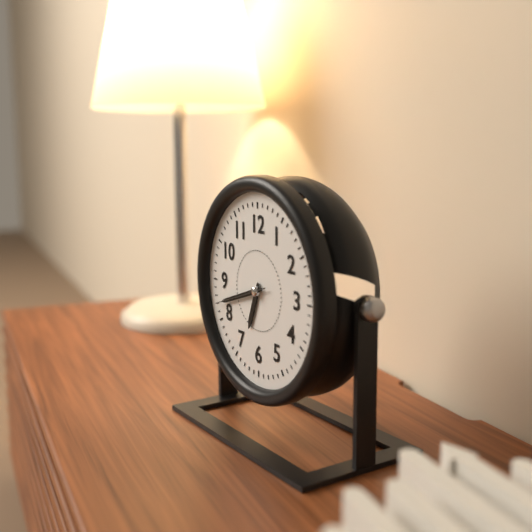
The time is 6:42:42
